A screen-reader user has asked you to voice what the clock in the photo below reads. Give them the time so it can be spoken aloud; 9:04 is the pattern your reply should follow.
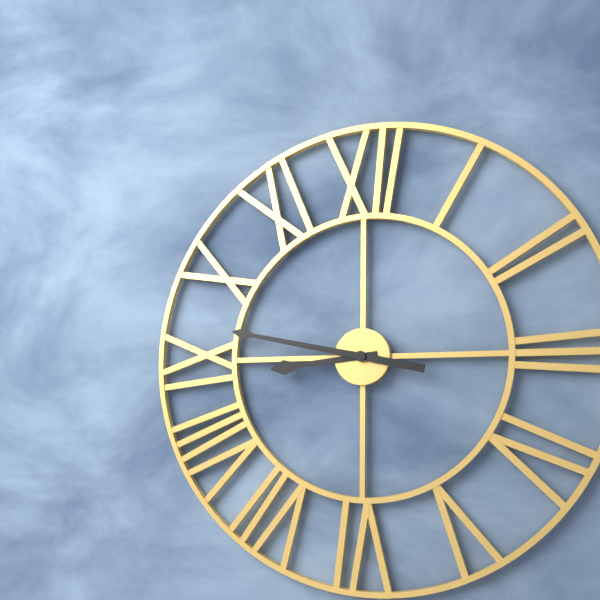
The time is 8:47
